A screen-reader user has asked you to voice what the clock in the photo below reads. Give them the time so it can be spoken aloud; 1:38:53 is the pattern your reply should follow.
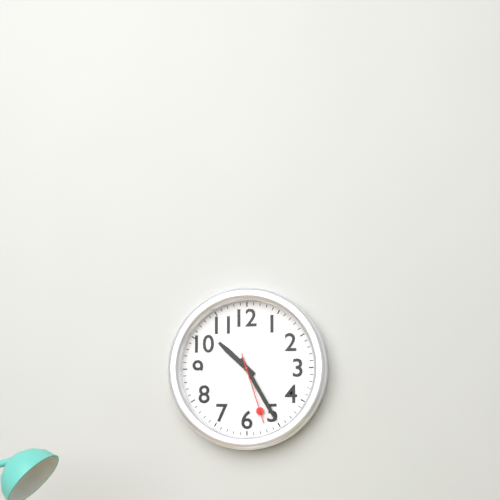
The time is 10:25:27
